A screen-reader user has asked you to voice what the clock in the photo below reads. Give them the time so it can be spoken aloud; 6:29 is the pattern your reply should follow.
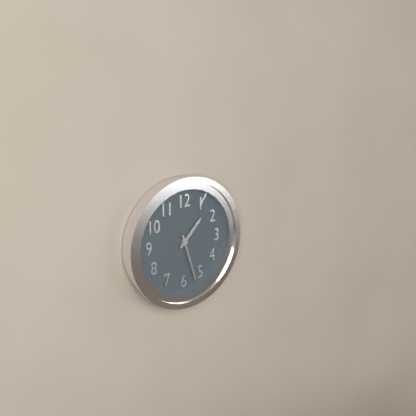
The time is 1:27
